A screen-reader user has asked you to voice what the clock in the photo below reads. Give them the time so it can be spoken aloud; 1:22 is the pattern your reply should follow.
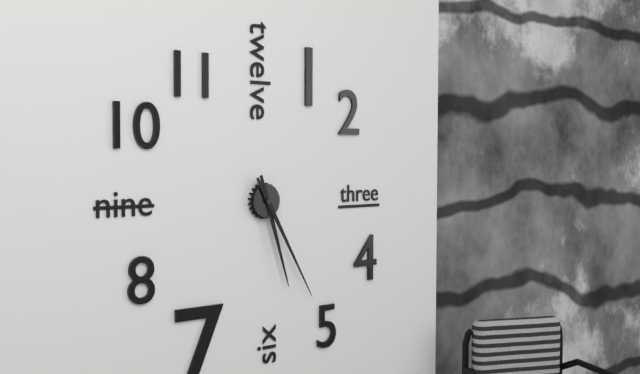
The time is 5:25
